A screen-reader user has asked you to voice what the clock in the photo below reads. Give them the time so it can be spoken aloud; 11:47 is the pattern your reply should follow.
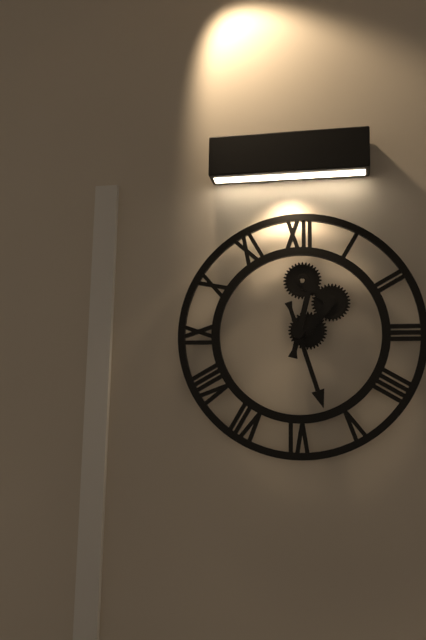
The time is 12:27
